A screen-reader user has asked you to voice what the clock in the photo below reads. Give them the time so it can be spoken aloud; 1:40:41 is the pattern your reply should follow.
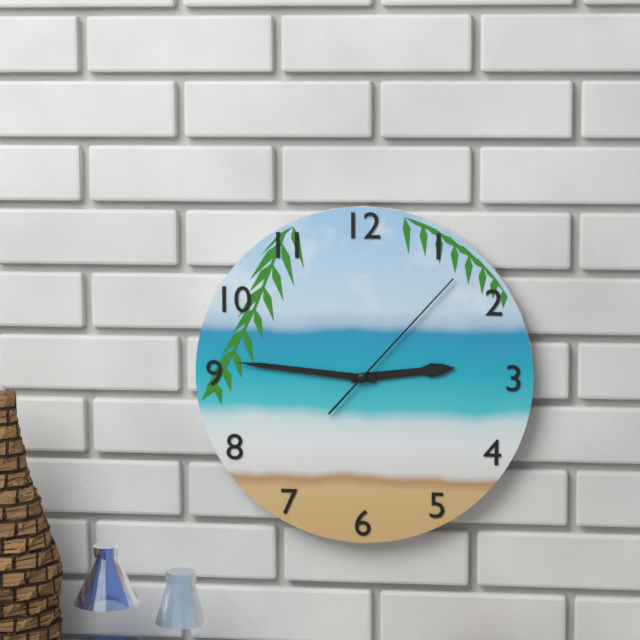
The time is 2:46:07
